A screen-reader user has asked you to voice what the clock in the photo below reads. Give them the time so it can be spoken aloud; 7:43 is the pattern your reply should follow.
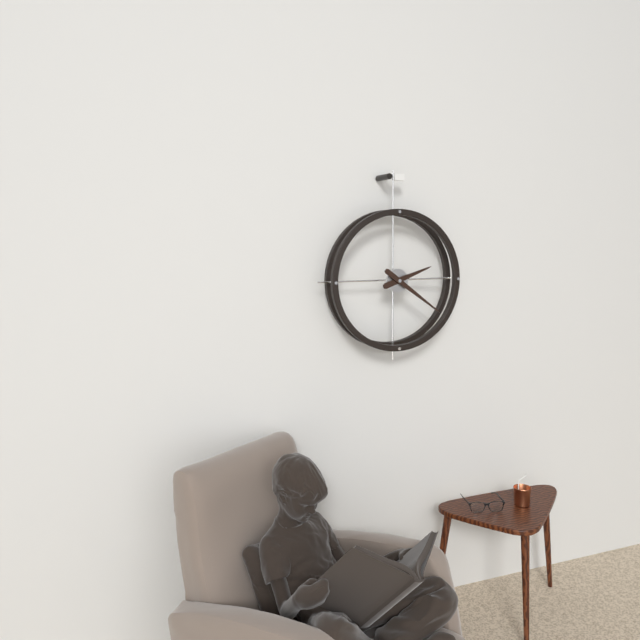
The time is 2:21
